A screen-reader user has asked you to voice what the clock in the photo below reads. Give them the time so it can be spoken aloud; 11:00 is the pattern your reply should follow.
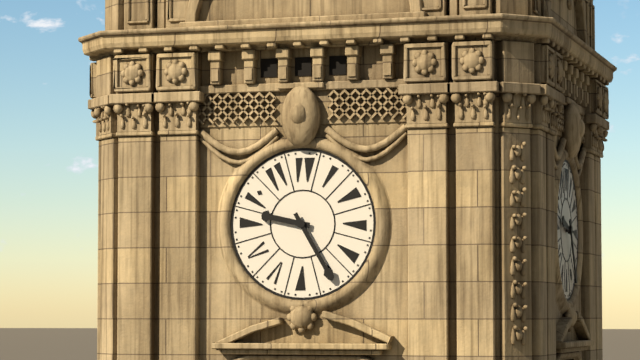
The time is 9:25
